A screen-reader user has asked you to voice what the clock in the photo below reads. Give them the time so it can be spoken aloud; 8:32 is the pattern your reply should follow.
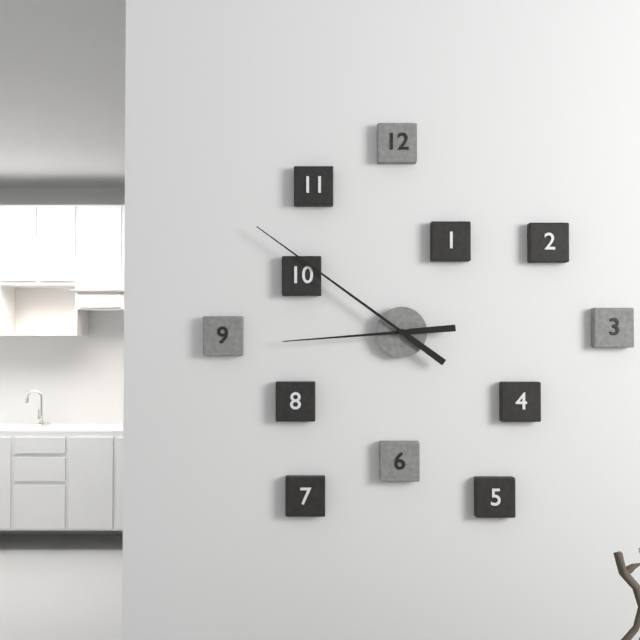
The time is 8:51
